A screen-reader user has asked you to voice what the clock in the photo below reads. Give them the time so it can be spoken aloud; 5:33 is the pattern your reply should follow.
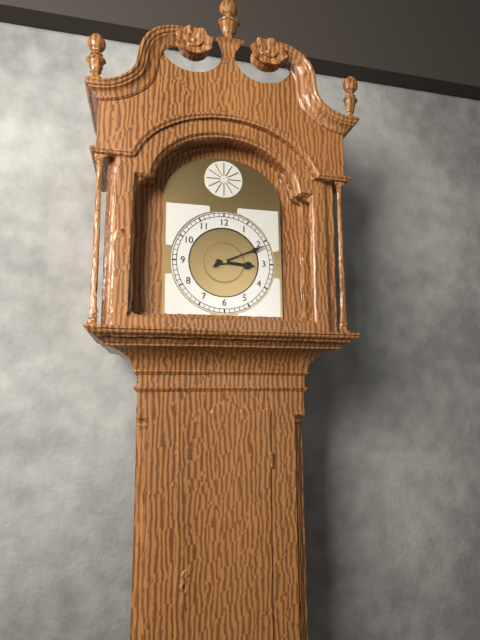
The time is 3:11
